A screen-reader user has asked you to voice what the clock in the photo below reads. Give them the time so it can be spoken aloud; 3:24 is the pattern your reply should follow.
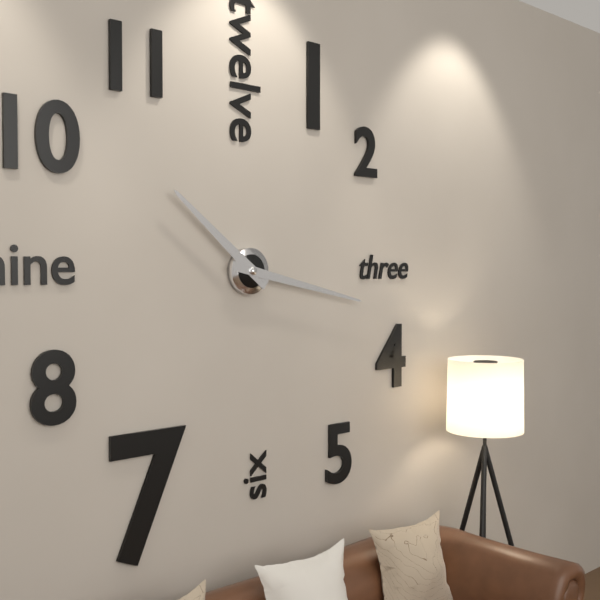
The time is 10:17
